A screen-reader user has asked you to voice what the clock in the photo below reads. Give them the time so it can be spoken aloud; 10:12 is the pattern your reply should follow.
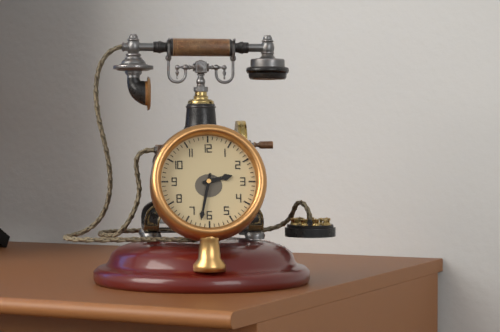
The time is 2:32
